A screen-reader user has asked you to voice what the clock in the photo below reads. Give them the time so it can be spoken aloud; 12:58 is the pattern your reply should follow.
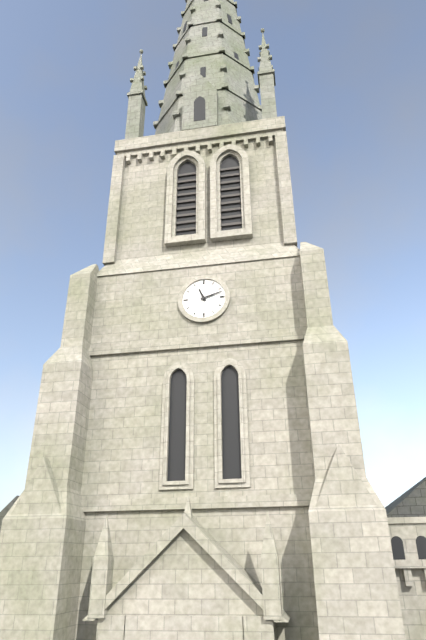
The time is 11:12
